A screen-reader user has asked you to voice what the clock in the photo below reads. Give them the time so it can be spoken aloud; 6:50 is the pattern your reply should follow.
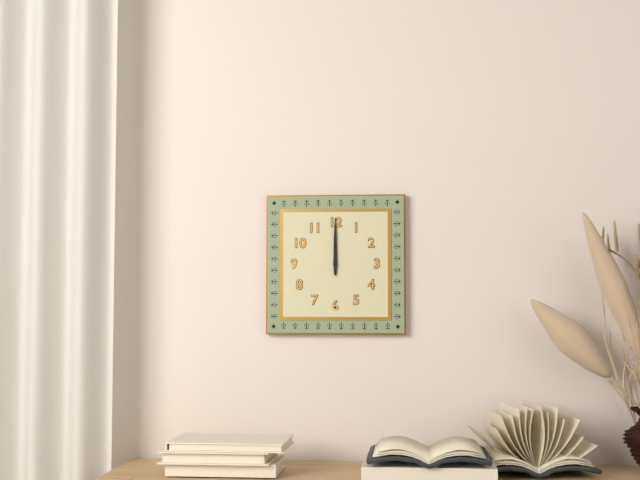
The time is 12:00
